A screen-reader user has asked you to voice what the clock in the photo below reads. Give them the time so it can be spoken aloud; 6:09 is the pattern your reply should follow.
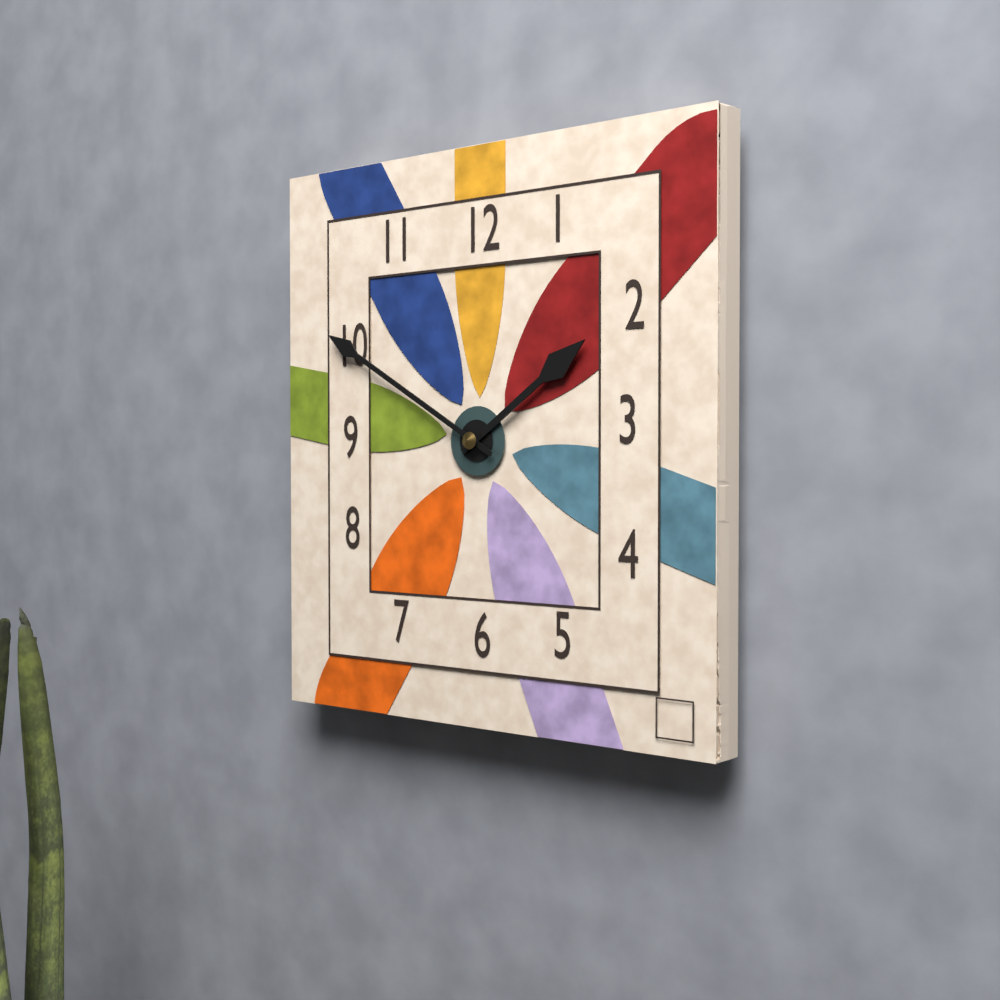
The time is 1:50
